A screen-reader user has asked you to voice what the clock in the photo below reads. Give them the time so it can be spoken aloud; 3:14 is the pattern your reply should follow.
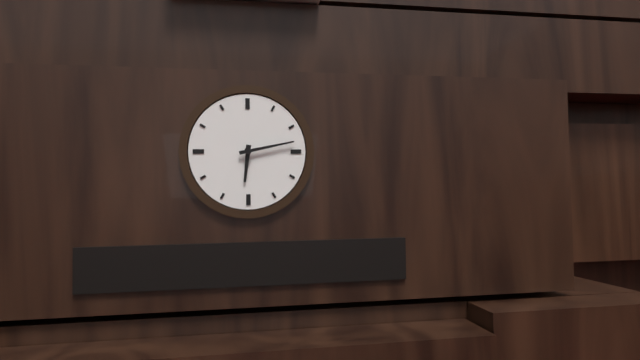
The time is 6:13
